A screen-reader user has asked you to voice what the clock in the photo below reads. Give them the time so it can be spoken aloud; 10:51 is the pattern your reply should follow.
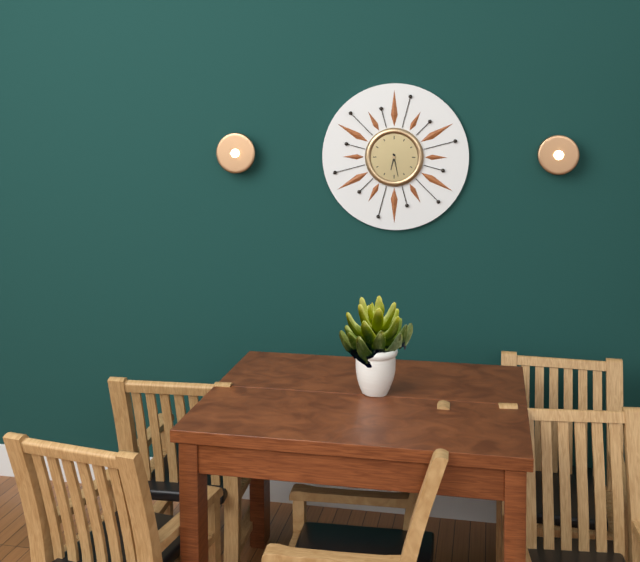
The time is 6:28
